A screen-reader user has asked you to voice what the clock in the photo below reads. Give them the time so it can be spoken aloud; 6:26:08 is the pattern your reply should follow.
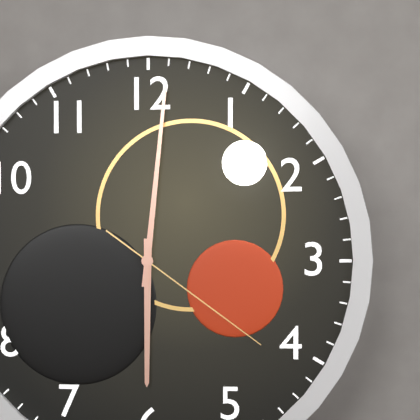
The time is 6:01:21
